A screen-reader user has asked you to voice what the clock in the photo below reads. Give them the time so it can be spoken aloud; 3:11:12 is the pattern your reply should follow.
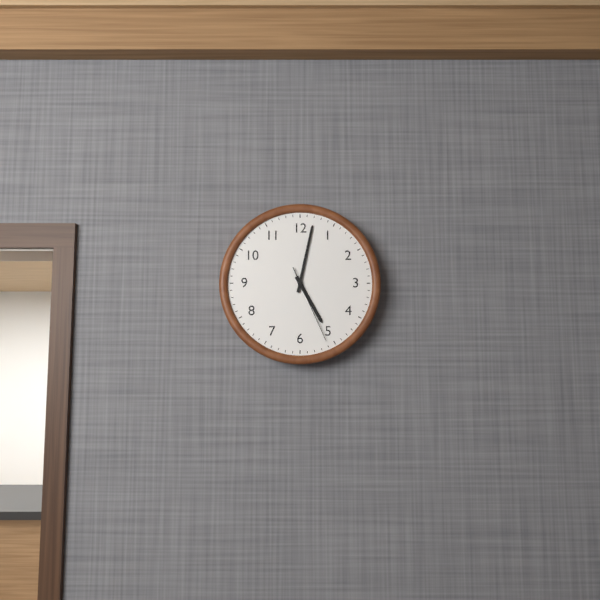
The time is 5:02:26
